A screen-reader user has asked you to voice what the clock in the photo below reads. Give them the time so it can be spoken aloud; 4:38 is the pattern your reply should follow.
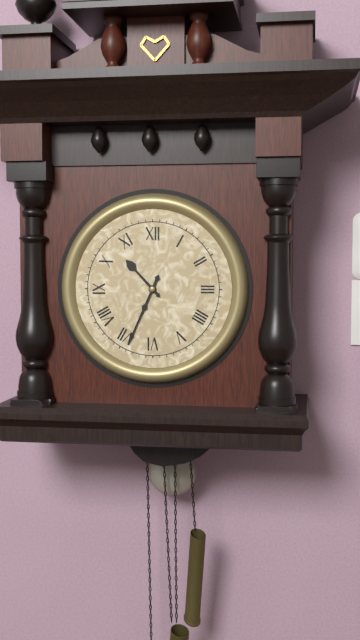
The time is 10:34
